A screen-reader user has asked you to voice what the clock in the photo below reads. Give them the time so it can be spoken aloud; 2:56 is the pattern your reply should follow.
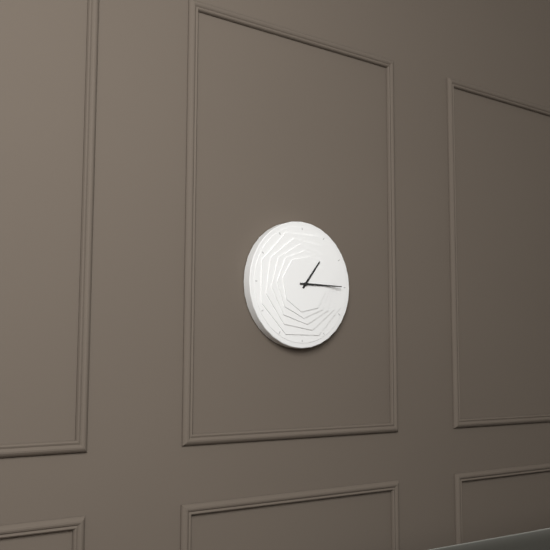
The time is 1:15
